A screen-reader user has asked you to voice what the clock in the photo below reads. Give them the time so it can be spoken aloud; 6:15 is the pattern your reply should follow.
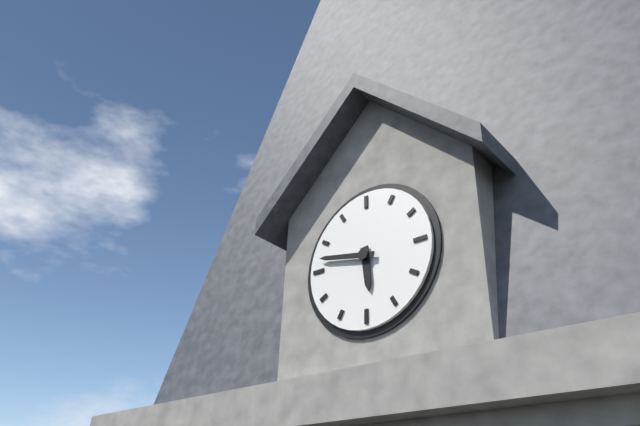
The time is 5:47
